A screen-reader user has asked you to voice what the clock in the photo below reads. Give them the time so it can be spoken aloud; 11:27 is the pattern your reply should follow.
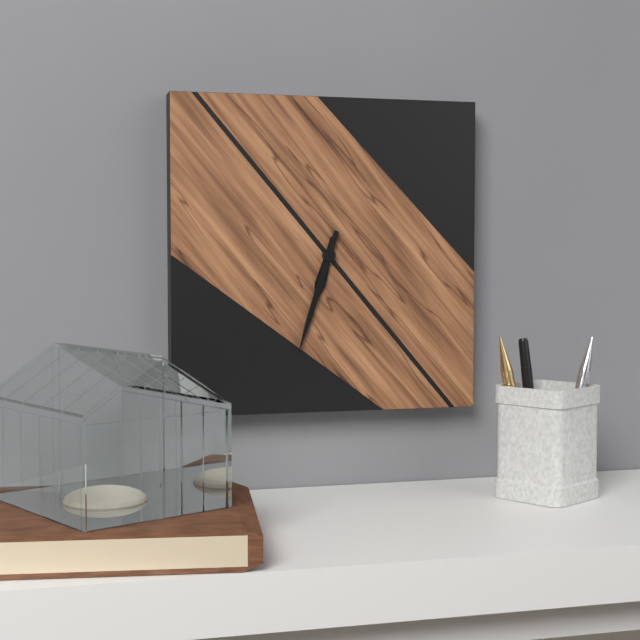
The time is 6:33
